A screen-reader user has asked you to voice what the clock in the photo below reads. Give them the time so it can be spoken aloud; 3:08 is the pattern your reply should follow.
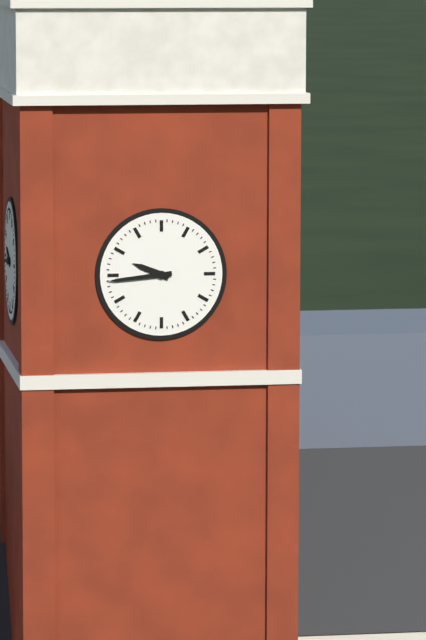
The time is 9:44
